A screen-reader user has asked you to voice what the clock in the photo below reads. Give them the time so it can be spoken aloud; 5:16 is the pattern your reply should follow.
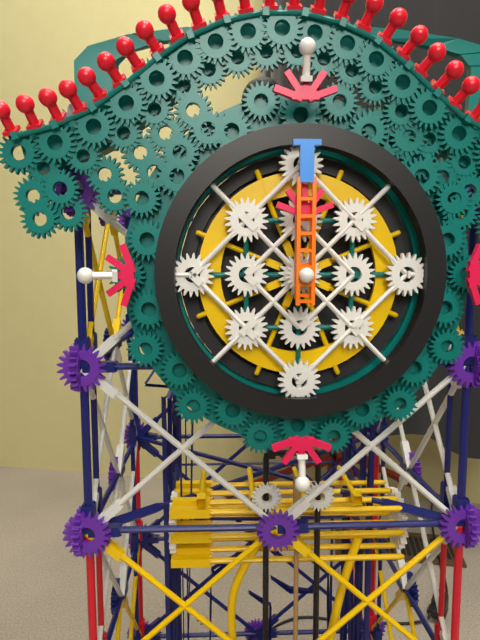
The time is 12:00
